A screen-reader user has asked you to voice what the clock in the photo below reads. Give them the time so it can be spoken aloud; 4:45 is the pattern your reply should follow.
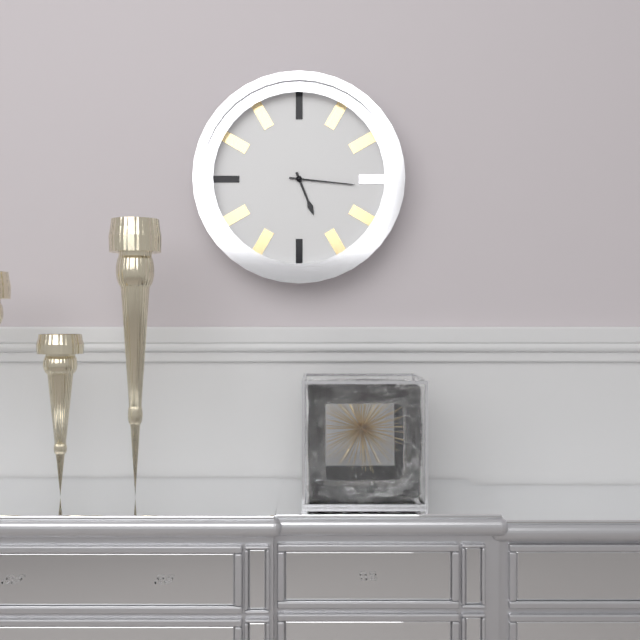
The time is 5:16
